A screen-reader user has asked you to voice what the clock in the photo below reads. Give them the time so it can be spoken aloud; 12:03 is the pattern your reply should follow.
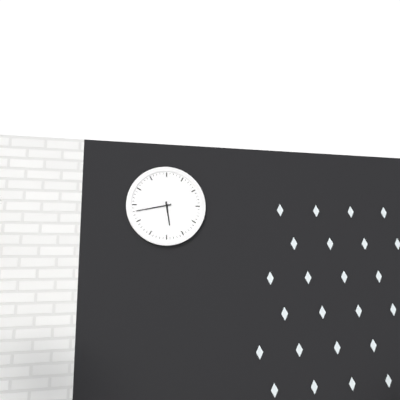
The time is 5:43
